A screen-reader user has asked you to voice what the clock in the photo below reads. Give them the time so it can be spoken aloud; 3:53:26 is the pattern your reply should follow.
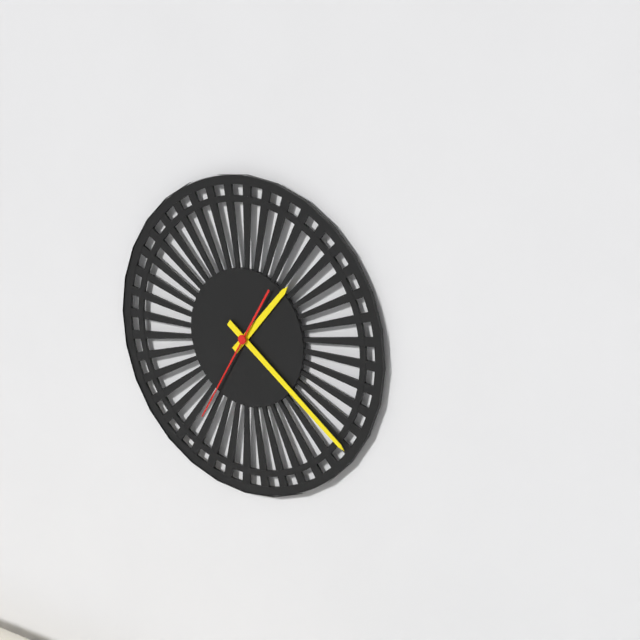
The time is 1:21:35
